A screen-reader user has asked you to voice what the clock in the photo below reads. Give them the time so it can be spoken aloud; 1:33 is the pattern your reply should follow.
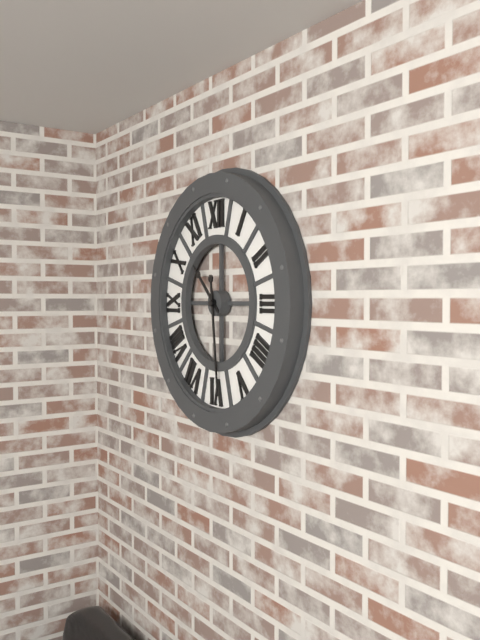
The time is 10:29
